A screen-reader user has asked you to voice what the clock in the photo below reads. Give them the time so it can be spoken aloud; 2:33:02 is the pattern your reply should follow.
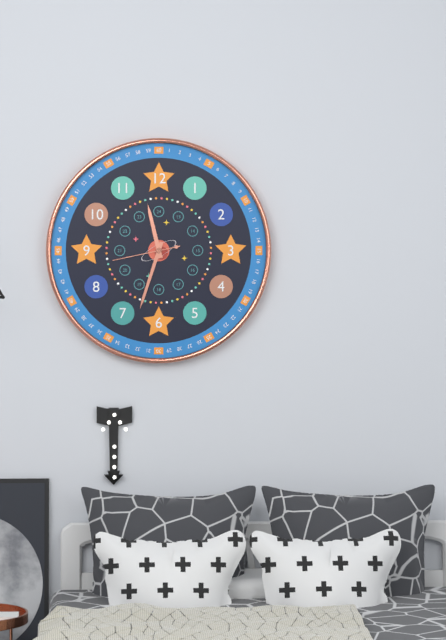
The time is 11:33:43
